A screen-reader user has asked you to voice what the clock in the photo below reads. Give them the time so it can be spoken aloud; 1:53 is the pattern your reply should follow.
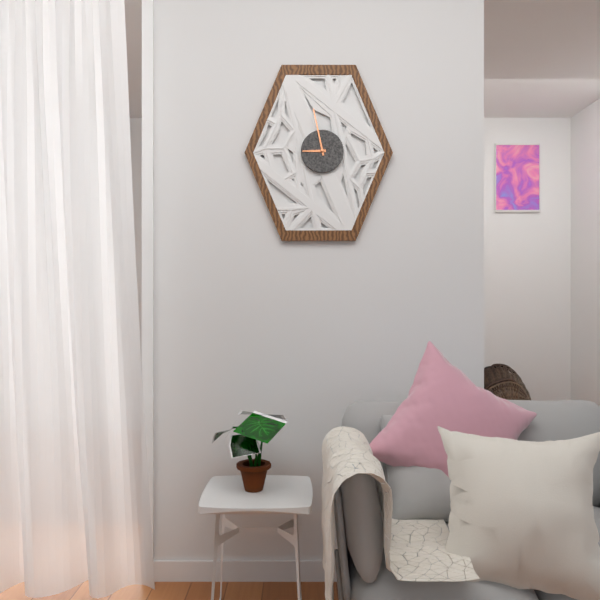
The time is 8:58
